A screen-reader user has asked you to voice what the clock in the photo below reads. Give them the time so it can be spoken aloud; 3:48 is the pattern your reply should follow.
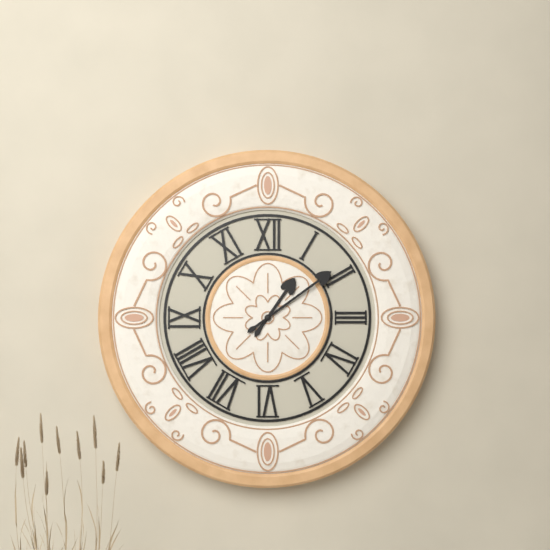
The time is 1:09
